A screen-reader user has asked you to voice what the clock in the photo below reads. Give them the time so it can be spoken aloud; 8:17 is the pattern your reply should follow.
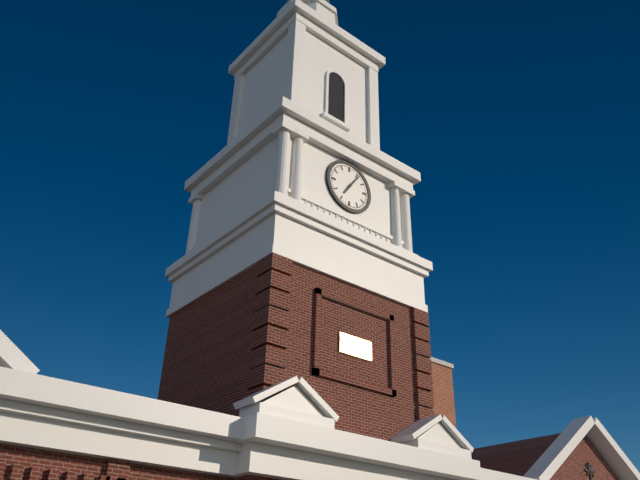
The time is 7:06
